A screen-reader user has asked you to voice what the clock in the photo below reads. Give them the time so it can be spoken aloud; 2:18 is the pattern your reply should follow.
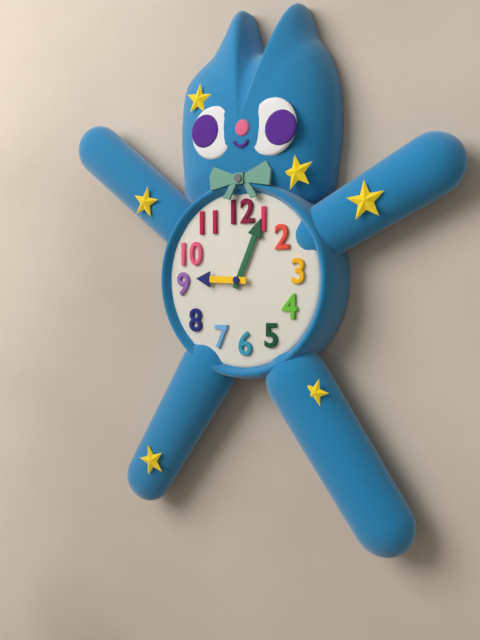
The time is 9:04
